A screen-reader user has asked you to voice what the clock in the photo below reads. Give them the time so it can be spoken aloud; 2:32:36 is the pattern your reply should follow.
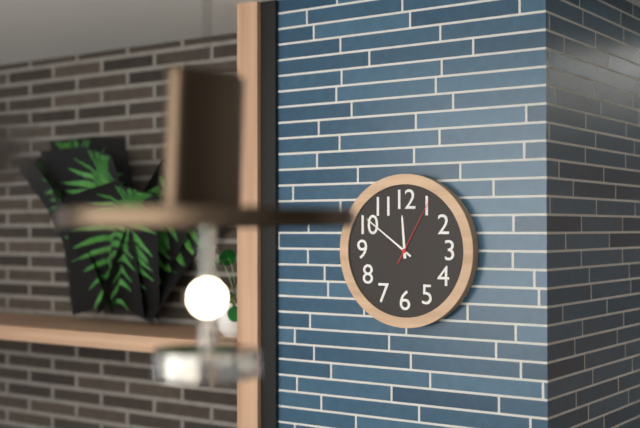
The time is 11:51:05
